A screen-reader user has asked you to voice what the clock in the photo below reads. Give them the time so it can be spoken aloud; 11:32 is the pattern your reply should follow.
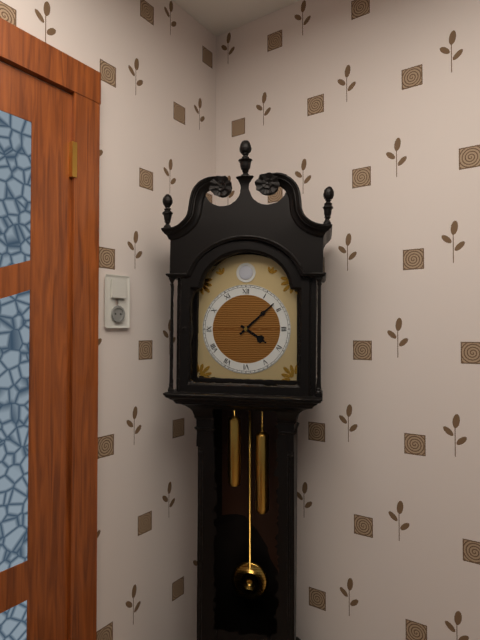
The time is 4:08
